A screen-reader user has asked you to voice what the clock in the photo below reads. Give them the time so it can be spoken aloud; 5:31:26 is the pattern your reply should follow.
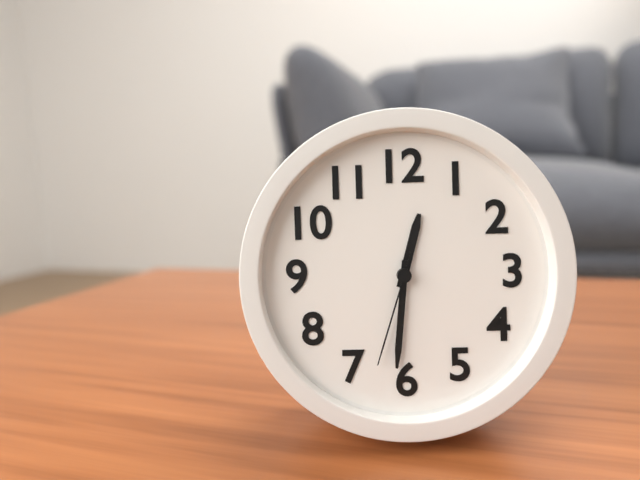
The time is 12:31:33
